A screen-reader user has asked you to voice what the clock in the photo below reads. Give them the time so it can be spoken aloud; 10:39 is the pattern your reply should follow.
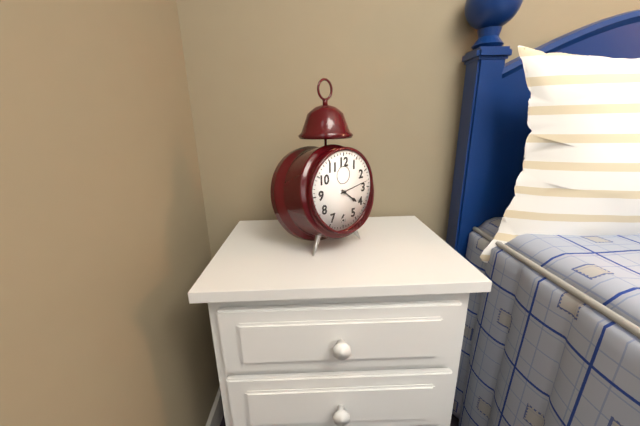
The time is 4:13
